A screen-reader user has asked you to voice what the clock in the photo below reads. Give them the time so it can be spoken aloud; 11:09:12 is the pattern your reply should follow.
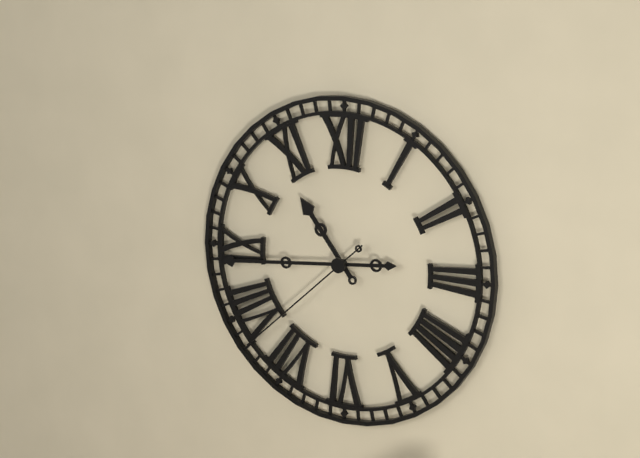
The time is 10:44:38
